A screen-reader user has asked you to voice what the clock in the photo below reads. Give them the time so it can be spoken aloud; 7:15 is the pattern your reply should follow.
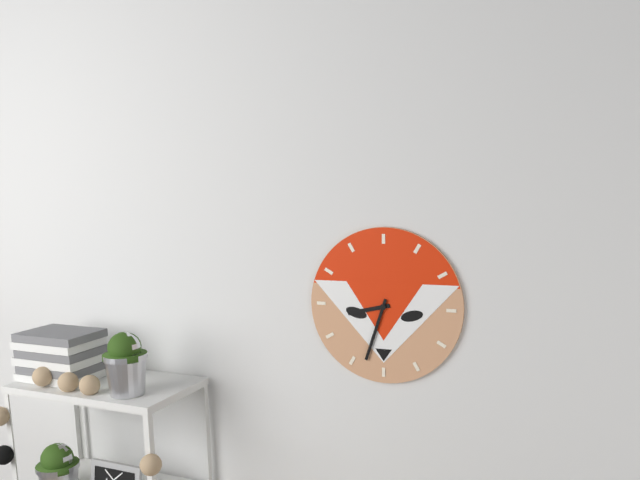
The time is 8:33
